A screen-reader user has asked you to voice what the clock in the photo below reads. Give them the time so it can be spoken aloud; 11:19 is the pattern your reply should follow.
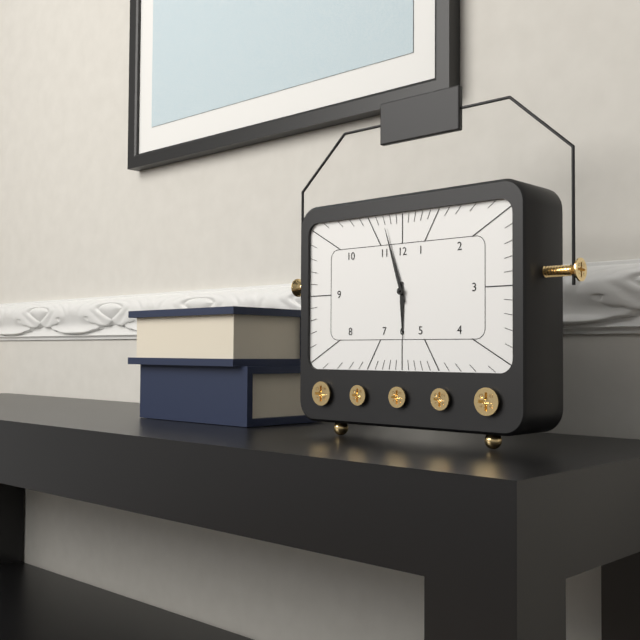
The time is 5:57
